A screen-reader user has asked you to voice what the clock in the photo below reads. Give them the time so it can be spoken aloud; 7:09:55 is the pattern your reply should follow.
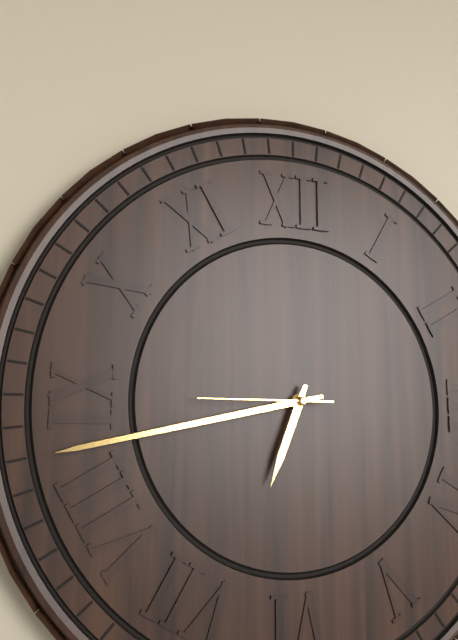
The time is 6:43:45
